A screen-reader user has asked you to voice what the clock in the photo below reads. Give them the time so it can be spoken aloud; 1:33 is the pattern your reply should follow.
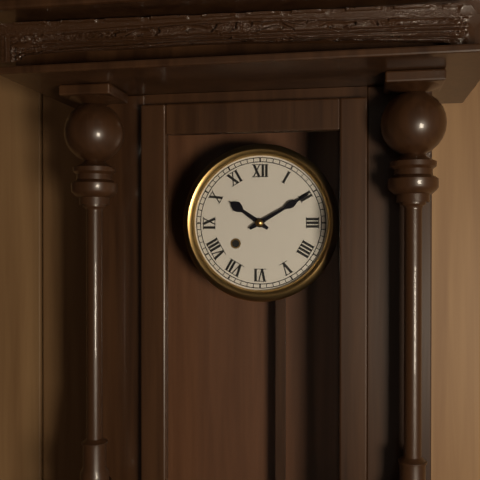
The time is 10:10
